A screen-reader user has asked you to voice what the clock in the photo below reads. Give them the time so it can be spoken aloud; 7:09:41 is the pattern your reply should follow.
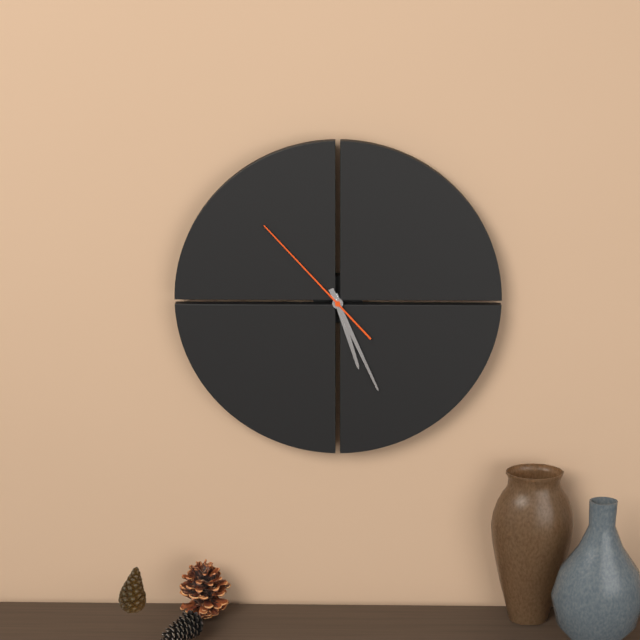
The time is 5:26:53
